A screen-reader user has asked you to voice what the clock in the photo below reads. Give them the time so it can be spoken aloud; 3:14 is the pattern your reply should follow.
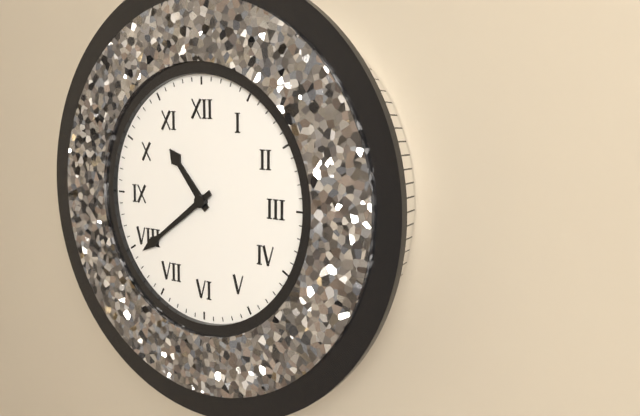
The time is 10:39
